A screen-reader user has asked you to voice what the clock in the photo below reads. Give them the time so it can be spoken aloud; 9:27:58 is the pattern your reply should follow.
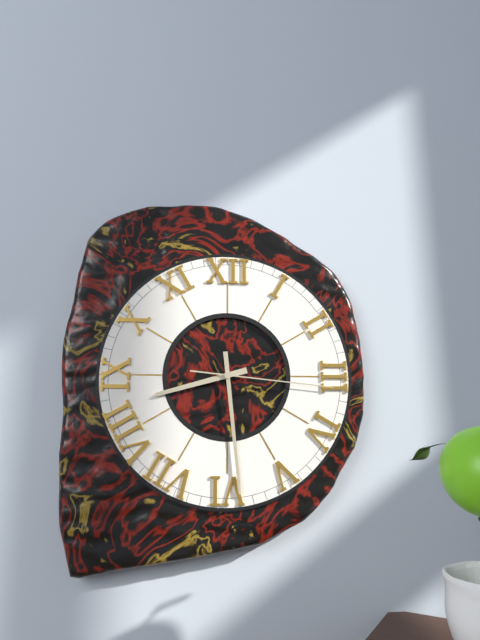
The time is 8:29:16
